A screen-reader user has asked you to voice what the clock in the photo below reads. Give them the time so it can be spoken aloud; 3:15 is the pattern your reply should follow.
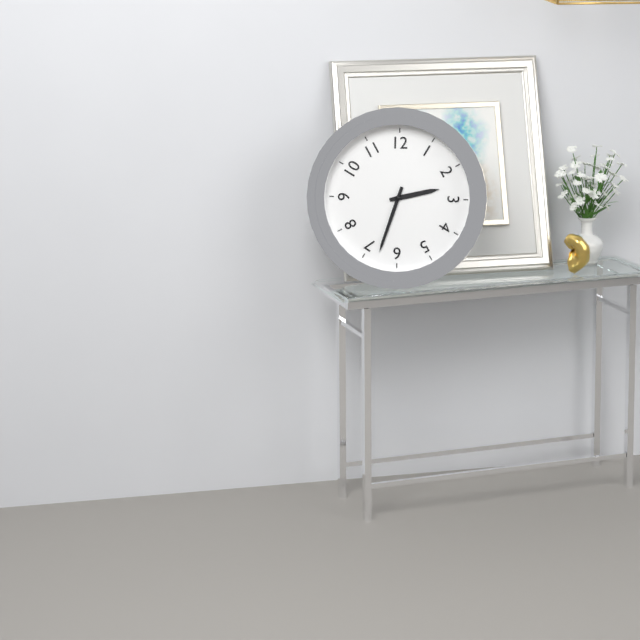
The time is 2:33
